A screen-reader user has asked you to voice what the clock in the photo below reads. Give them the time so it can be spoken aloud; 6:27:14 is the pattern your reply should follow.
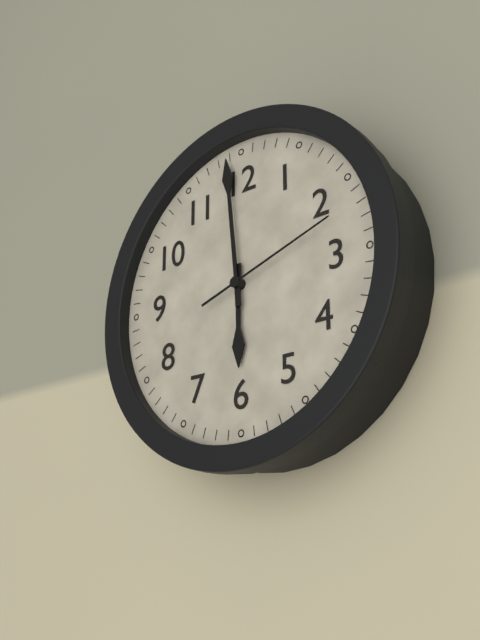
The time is 5:59:12
